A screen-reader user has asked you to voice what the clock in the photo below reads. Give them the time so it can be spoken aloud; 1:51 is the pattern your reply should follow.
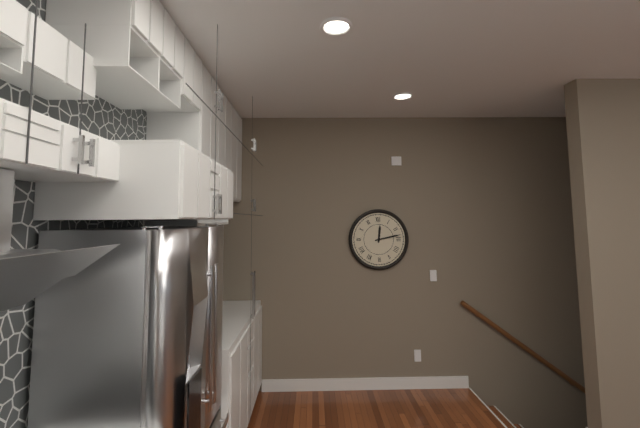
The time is 12:13
